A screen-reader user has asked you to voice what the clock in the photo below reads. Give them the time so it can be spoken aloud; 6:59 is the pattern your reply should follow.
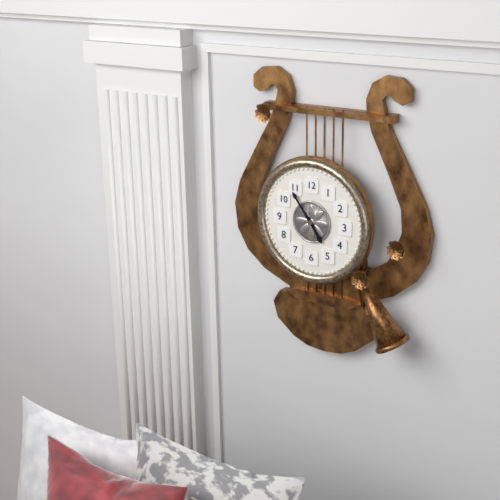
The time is 4:54
